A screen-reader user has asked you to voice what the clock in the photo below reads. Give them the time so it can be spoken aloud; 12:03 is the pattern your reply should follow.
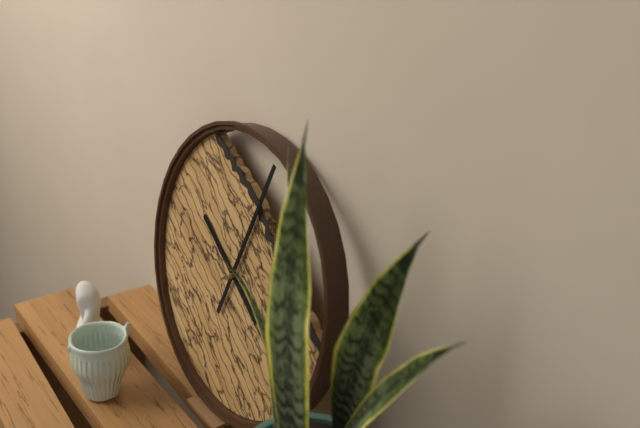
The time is 10:03
